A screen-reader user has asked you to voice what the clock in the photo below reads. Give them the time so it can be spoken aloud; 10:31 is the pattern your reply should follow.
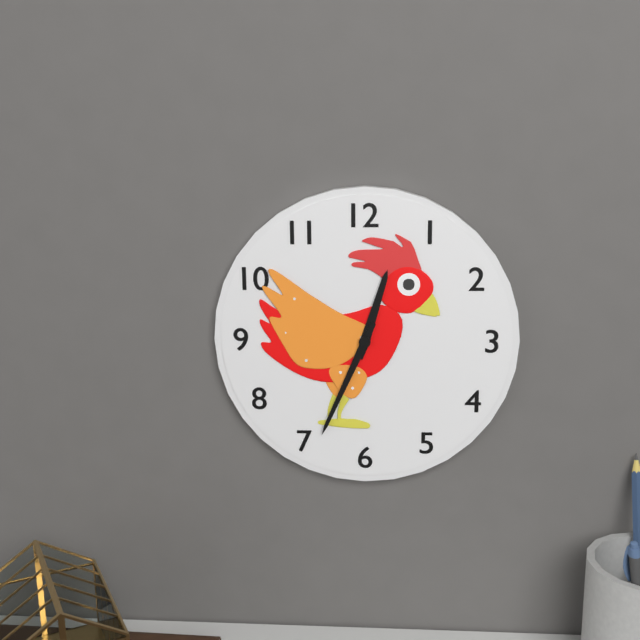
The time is 12:34
